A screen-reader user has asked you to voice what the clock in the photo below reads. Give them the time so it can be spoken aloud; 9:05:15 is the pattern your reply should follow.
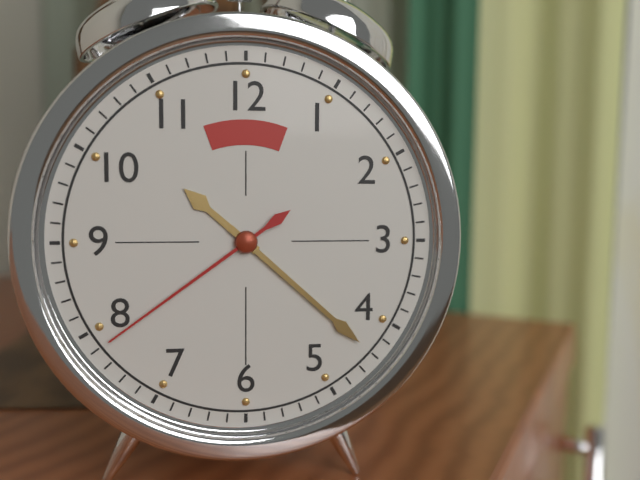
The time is 10:22:39
